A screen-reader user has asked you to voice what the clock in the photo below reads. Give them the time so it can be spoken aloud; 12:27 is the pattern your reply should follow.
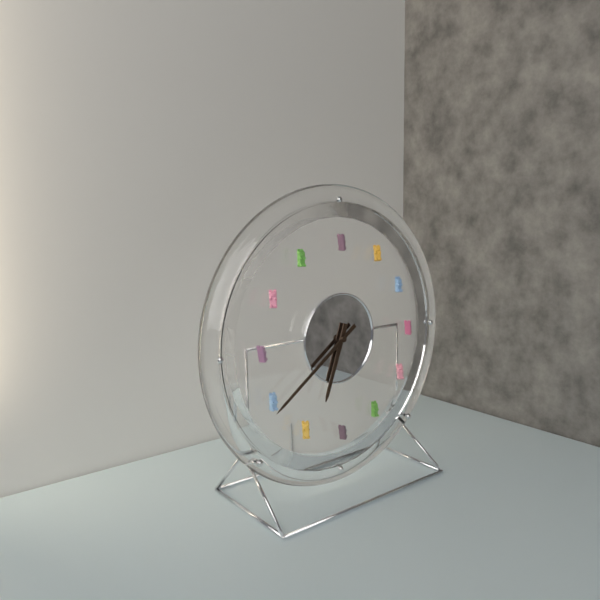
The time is 6:39
